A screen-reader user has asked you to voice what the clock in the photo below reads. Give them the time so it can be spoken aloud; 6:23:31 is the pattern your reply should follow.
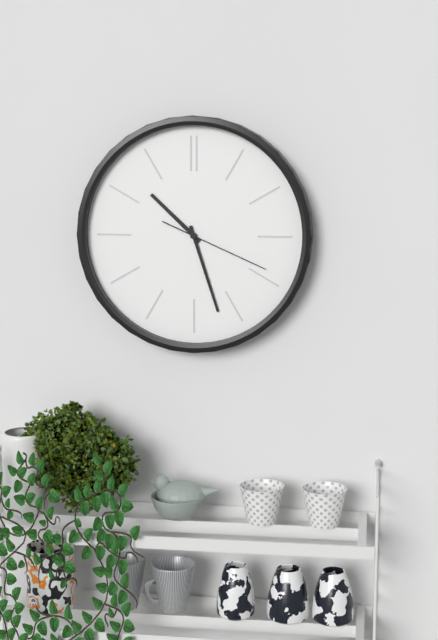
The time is 10:27:19
